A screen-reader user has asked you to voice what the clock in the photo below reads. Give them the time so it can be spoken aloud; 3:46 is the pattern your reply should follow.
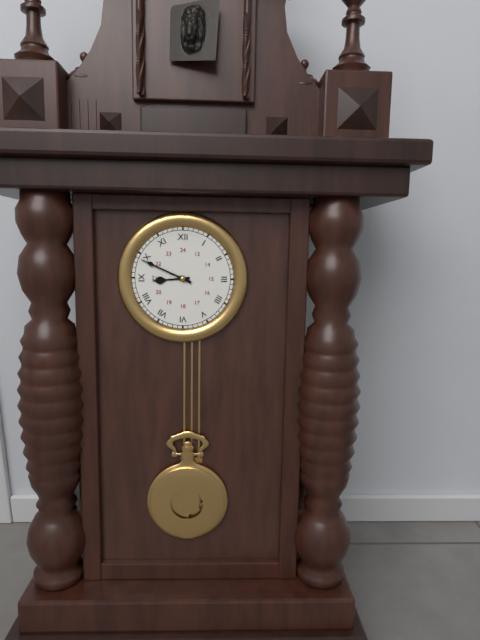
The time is 8:49
